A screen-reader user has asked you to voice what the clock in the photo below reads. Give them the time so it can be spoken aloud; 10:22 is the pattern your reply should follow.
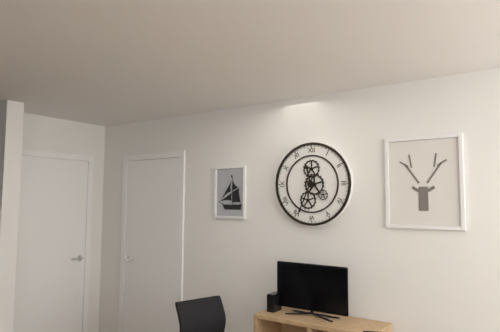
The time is 11:34
